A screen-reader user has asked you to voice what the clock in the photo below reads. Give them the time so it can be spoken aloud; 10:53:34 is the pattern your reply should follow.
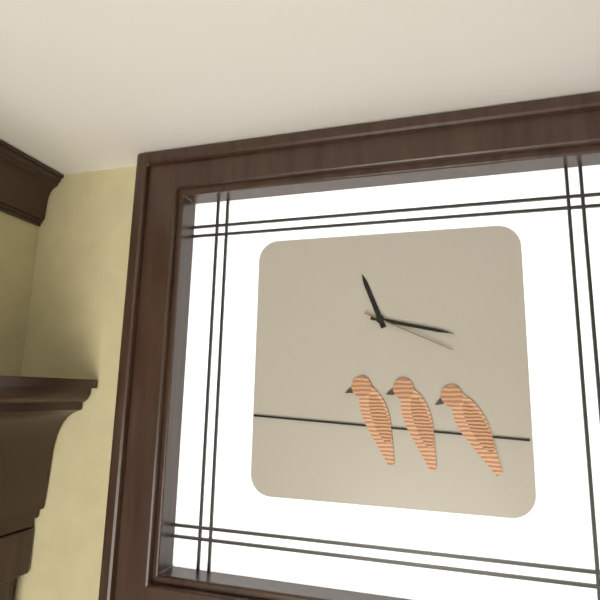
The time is 11:17:19
